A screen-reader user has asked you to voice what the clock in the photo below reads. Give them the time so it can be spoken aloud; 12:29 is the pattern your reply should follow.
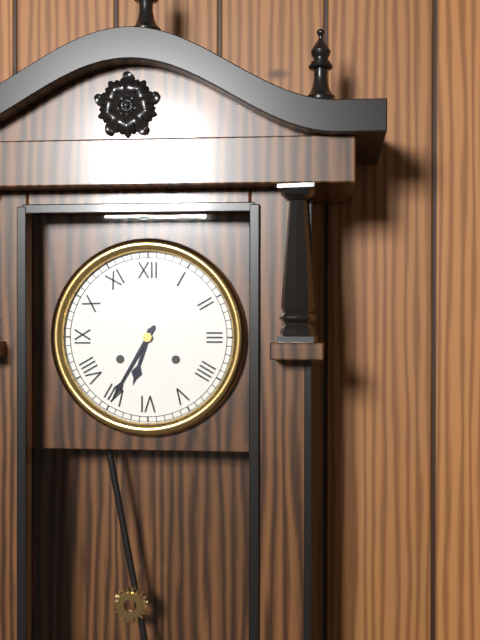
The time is 6:35
